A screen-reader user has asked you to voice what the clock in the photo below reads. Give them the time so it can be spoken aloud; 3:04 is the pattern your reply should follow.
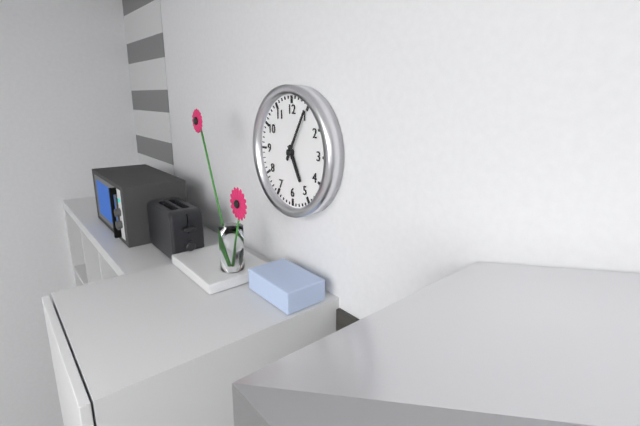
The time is 5:05
